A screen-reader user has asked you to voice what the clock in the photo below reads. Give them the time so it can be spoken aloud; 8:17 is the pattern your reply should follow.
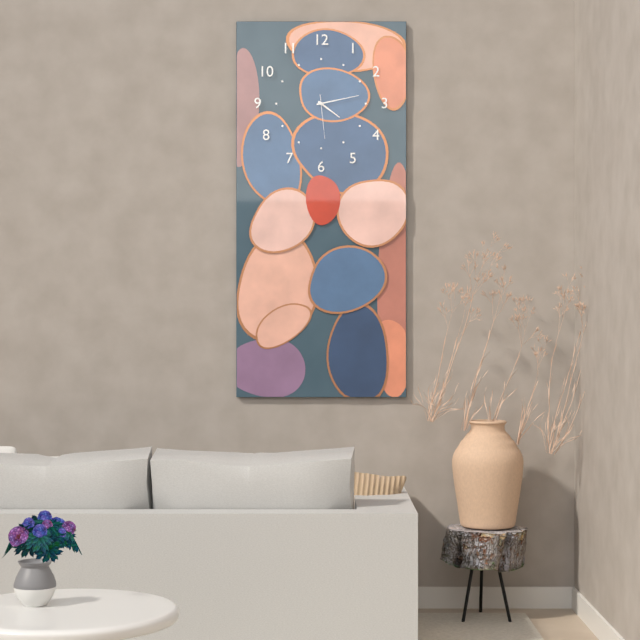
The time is 4:13
